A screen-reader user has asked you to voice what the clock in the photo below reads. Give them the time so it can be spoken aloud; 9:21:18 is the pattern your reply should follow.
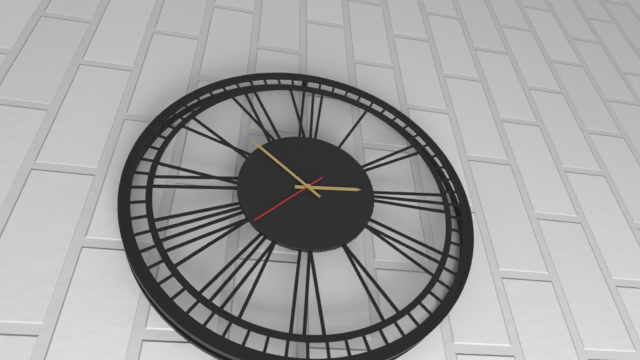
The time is 2:52:38
